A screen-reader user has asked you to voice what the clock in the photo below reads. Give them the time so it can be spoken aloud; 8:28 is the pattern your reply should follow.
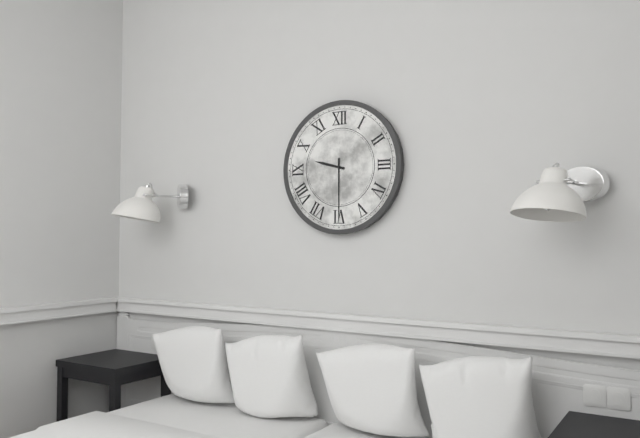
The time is 9:30
